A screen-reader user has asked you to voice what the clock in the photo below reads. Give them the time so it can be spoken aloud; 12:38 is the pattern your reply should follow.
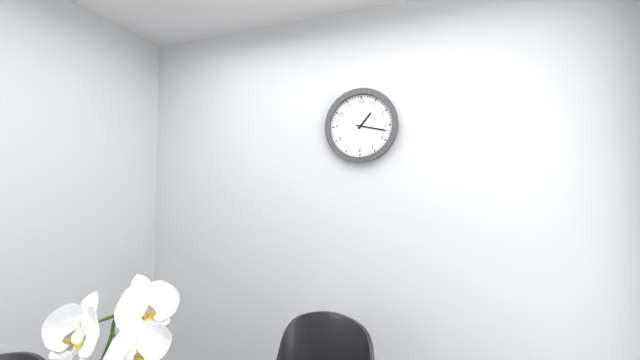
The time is 1:17
